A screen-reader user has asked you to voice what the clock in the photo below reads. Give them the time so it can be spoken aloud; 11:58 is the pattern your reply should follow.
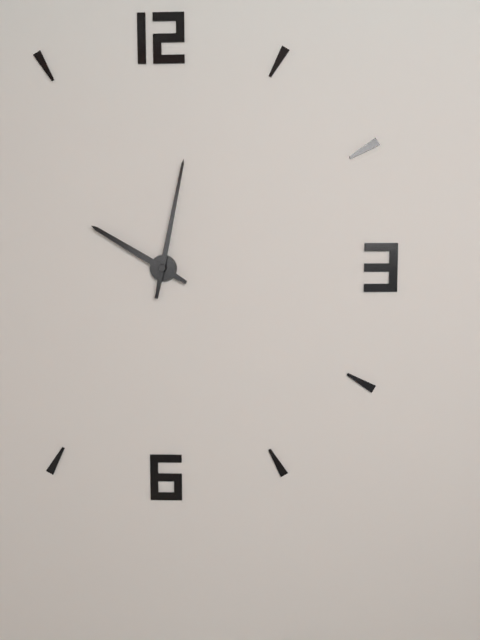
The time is 10:02
